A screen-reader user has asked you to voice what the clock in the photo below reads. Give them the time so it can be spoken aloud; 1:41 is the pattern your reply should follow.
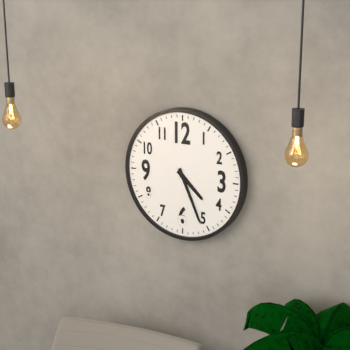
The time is 4:26
